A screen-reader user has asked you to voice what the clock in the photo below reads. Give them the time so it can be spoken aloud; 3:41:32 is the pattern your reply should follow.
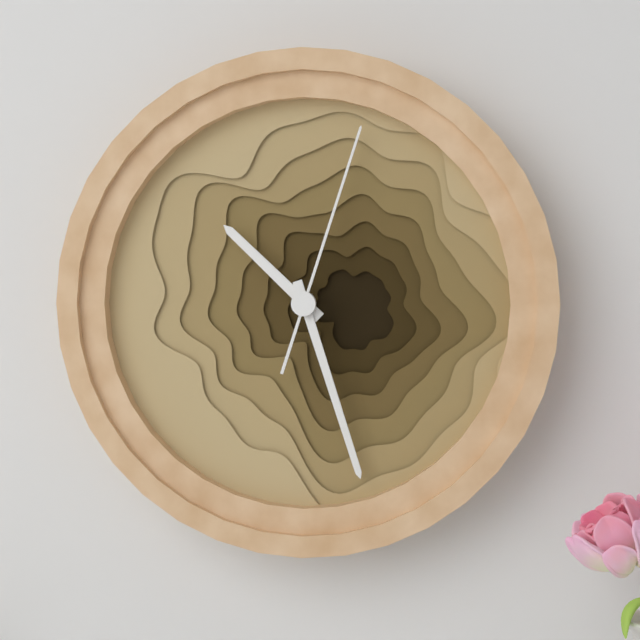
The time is 10:27:03
